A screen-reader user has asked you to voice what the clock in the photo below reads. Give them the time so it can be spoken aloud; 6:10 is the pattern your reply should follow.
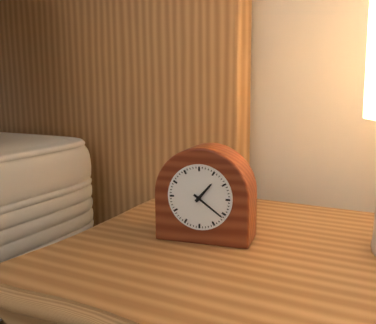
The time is 1:21
